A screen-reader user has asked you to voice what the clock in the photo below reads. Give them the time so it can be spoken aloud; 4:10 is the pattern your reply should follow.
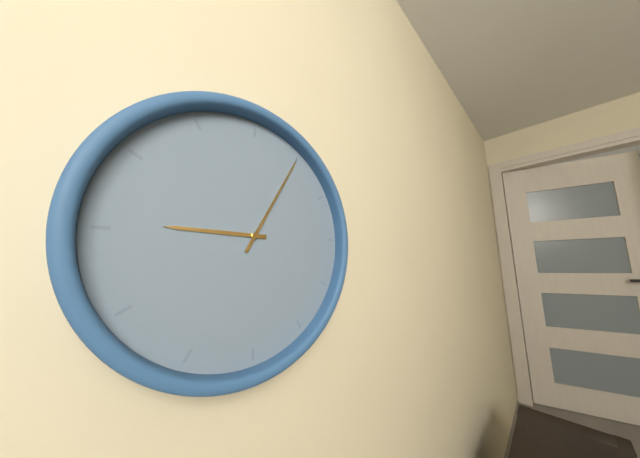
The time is 9:05
